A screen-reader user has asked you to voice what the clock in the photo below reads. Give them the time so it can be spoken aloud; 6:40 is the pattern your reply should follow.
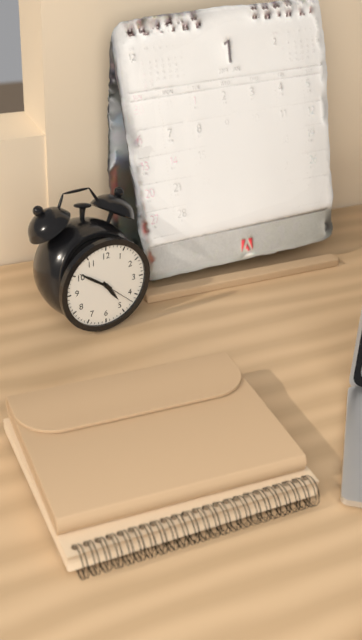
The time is 4:51
